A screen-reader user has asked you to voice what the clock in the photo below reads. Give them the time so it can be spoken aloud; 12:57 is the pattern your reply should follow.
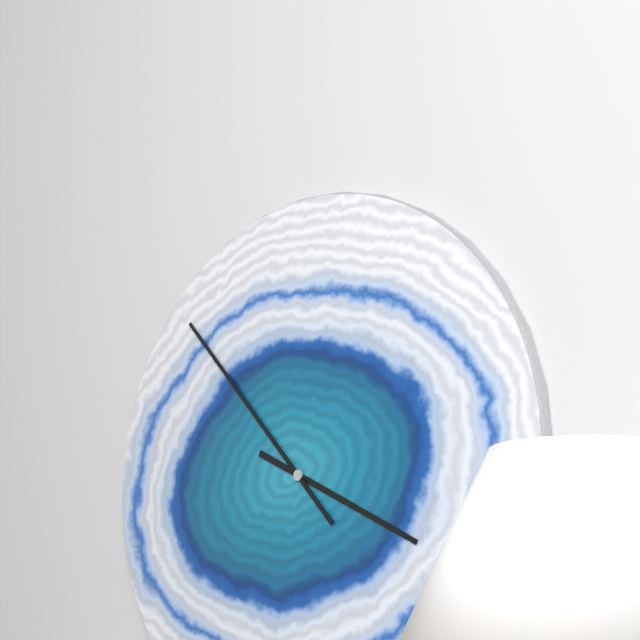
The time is 3:53
